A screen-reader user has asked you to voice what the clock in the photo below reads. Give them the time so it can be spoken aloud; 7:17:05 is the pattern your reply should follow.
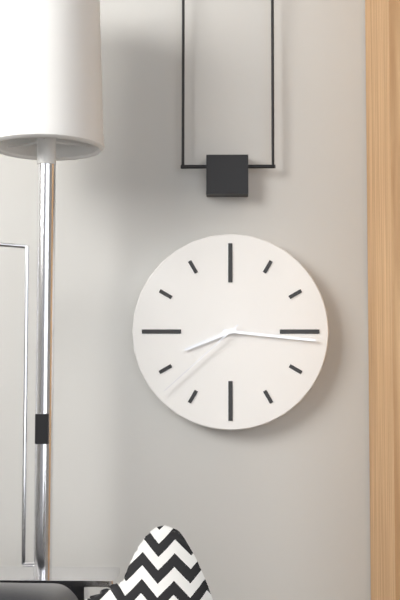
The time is 8:16:38
